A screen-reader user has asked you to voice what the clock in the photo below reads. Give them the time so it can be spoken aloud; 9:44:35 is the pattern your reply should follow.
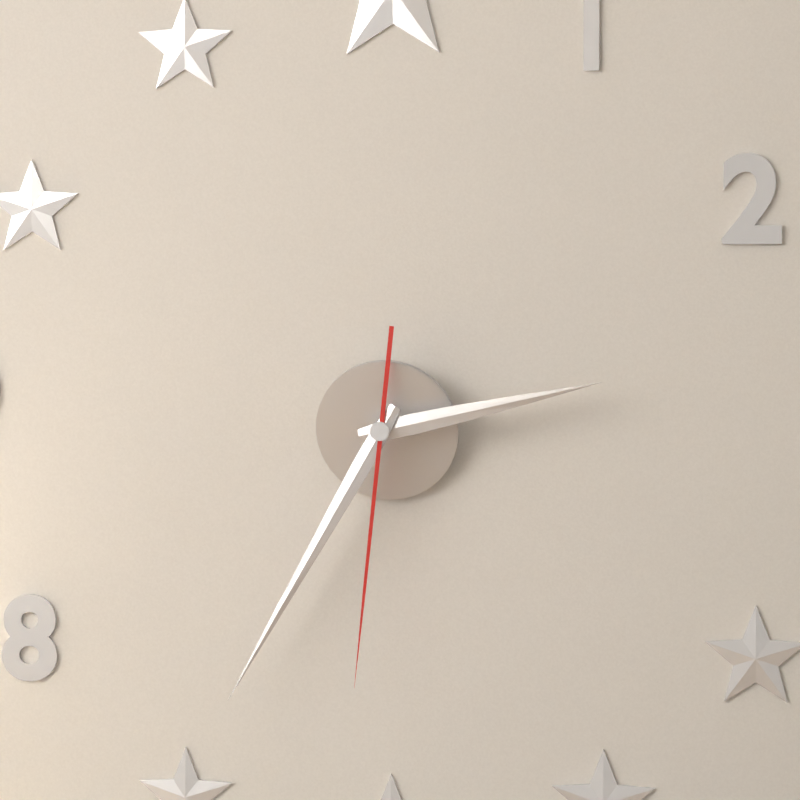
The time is 2:35:31
